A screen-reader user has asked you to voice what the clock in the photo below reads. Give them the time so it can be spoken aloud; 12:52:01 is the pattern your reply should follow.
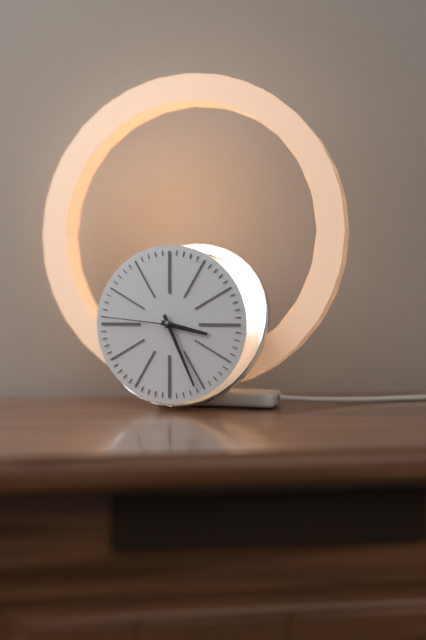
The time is 3:26:46
